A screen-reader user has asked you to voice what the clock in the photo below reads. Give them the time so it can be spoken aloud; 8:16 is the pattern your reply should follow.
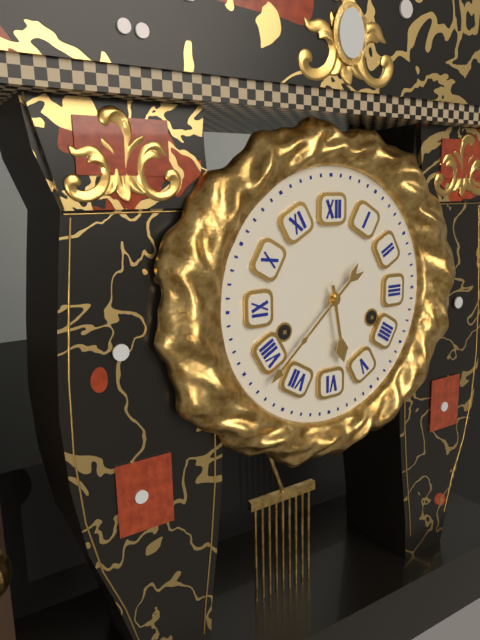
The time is 5:38
